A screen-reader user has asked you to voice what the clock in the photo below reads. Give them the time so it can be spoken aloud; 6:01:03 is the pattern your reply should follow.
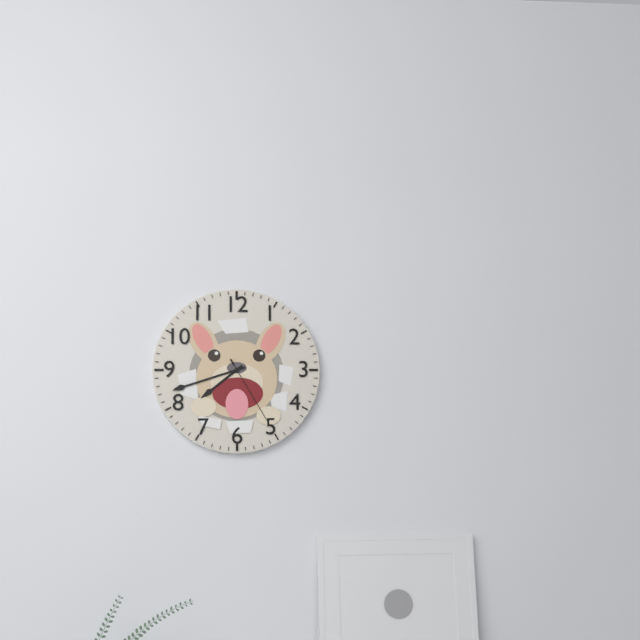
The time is 7:42:25
